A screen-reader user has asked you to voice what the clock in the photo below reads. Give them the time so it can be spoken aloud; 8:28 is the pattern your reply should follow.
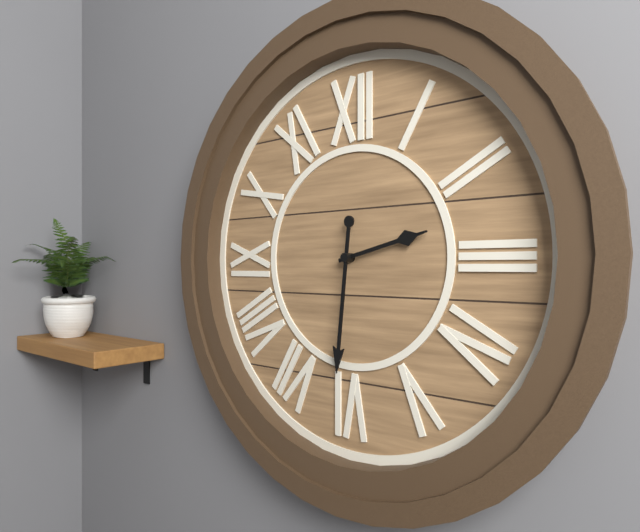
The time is 2:31
